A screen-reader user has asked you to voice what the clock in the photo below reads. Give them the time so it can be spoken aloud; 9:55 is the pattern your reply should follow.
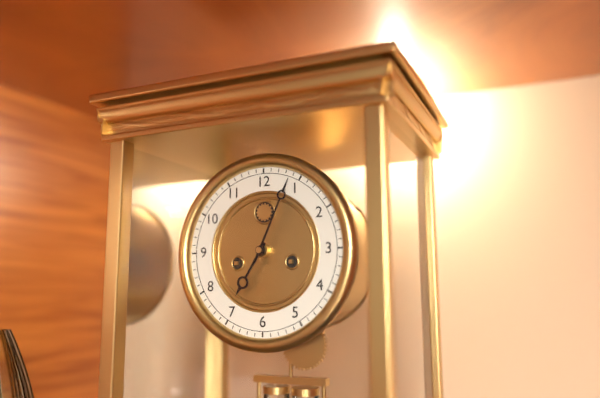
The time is 7:04
